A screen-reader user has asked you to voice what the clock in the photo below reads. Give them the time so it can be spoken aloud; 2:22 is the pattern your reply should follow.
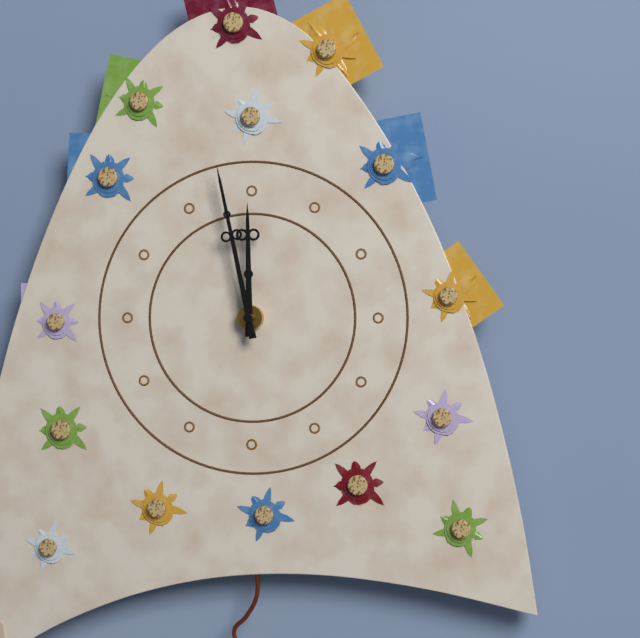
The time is 11:58
